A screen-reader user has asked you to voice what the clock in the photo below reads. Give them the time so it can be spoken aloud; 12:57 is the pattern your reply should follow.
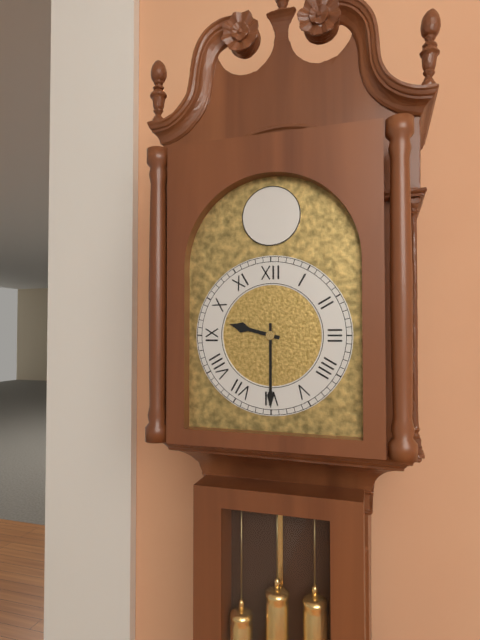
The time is 9:30
